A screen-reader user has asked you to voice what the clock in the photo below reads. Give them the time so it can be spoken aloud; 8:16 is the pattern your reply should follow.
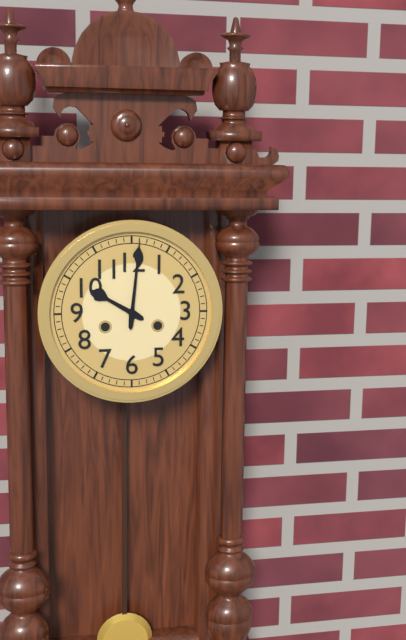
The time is 10:01
